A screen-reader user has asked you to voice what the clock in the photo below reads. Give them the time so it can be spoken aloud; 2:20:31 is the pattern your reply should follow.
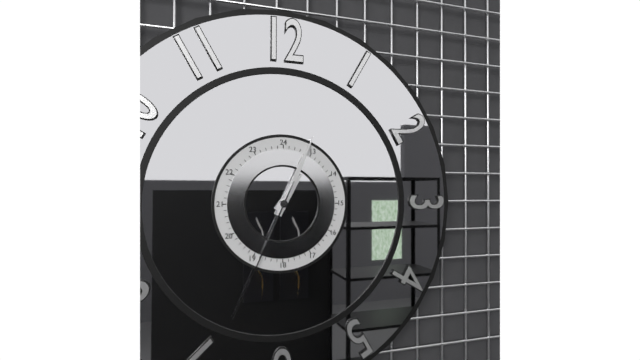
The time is 1:04:34
